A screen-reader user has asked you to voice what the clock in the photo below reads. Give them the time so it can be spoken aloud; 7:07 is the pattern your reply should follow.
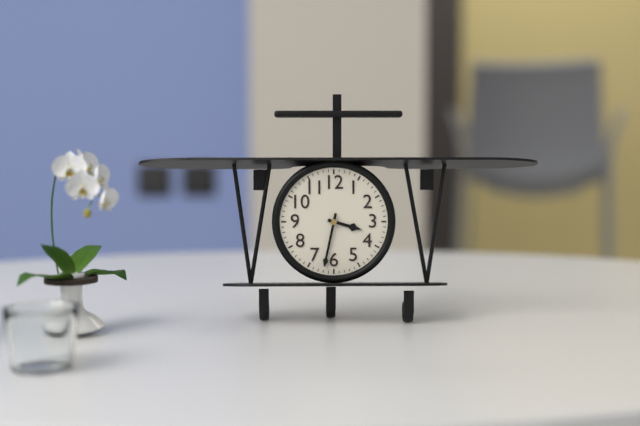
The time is 3:32
